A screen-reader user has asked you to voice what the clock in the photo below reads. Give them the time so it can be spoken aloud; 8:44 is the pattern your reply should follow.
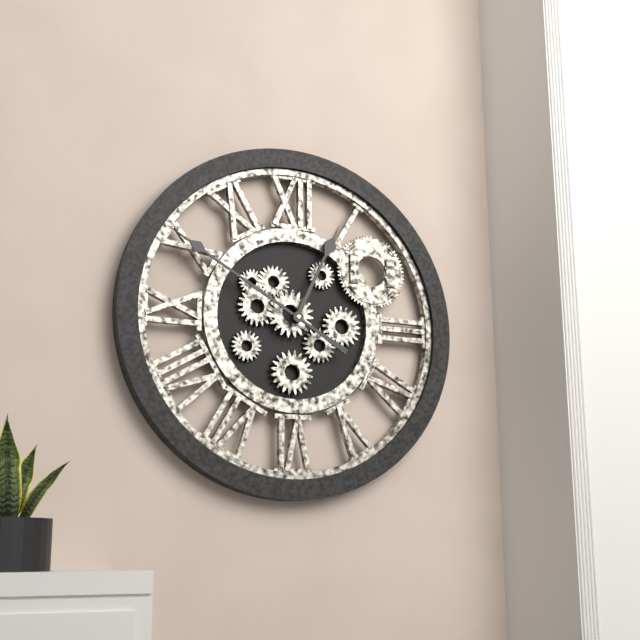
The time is 12:50
